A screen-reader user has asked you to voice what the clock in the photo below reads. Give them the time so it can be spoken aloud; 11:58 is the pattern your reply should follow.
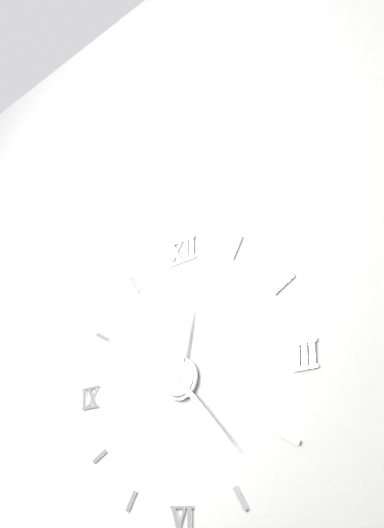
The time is 12:23
